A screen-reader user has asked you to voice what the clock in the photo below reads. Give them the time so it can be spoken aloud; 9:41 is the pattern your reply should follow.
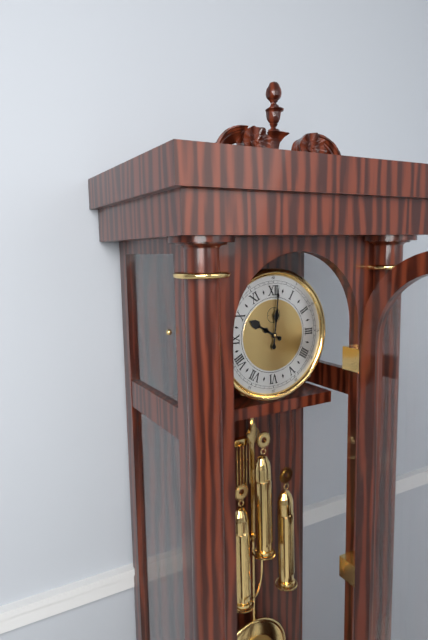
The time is 10:01
